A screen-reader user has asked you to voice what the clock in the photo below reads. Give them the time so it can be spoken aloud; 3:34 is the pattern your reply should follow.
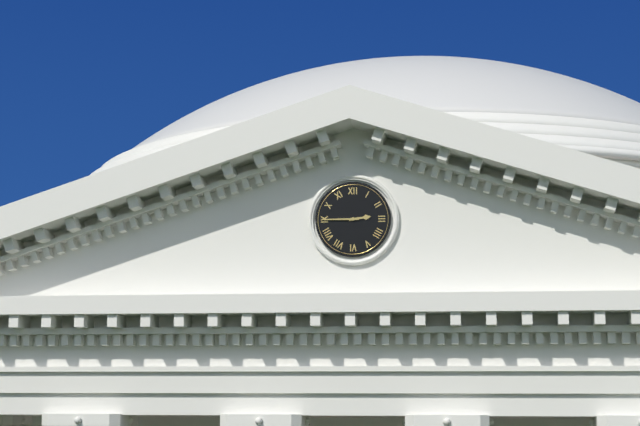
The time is 2:45
